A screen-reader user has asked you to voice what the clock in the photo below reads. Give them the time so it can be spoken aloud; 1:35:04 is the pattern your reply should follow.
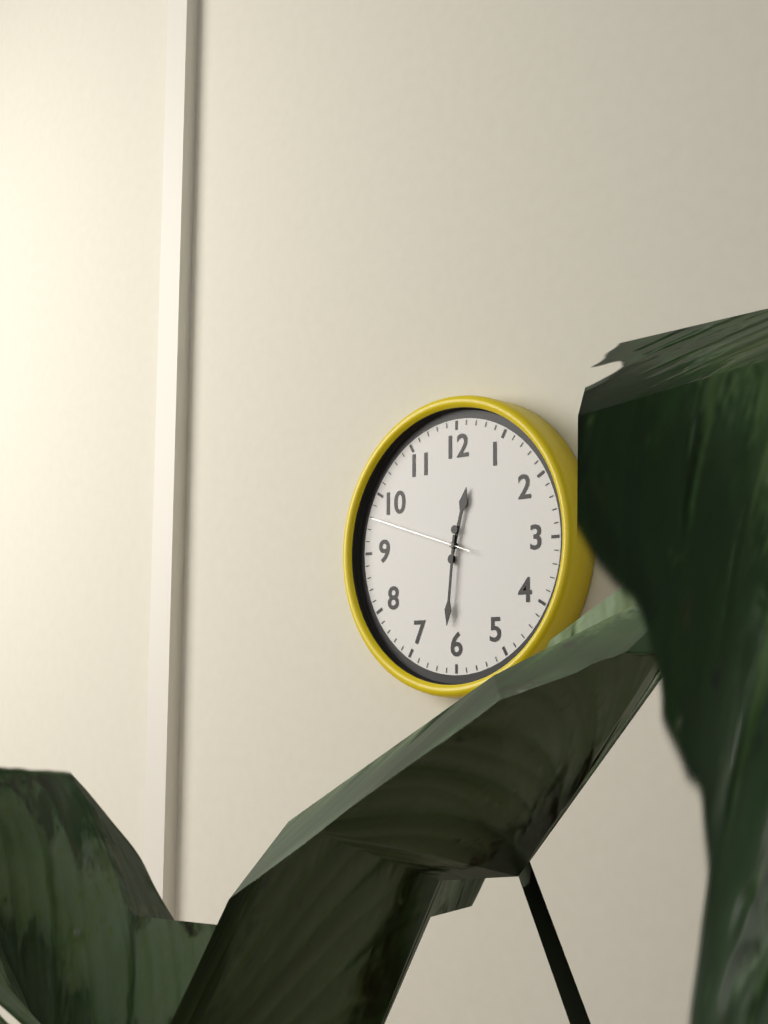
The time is 12:31:48
